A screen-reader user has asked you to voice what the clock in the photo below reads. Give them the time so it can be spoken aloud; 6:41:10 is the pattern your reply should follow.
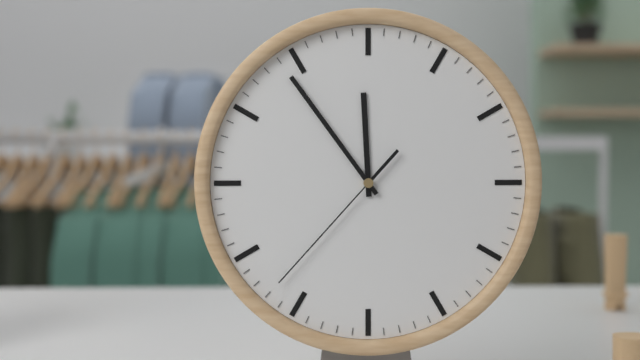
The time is 11:54:37
